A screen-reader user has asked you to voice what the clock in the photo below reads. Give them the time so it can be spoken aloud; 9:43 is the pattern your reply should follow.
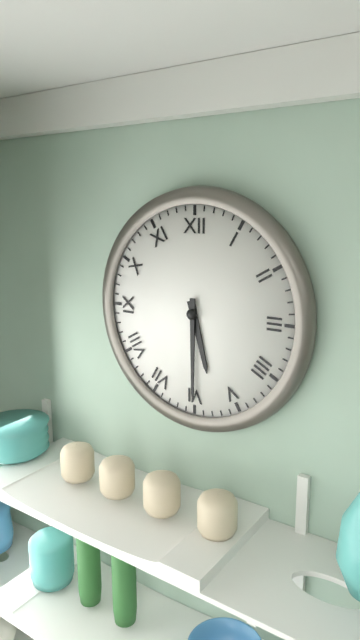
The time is 5:30
